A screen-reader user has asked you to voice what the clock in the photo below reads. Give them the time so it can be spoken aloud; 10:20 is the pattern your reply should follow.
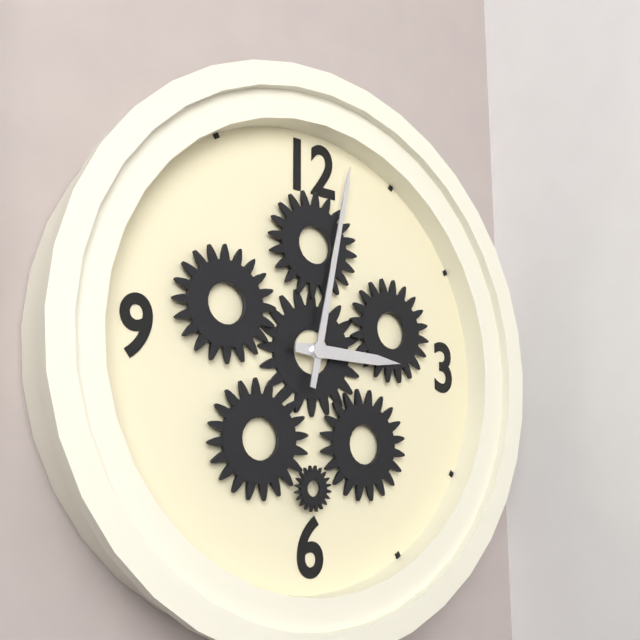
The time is 3:02
